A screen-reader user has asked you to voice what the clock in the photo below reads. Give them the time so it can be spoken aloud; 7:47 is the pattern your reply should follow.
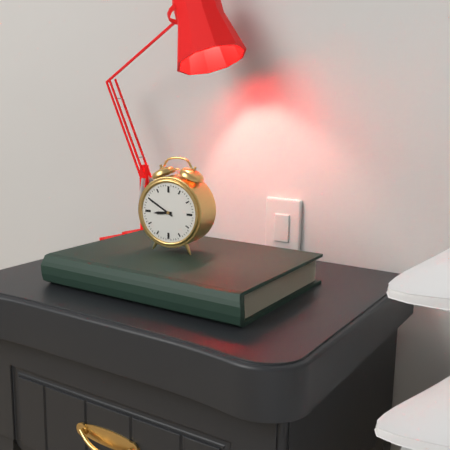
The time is 8:50
